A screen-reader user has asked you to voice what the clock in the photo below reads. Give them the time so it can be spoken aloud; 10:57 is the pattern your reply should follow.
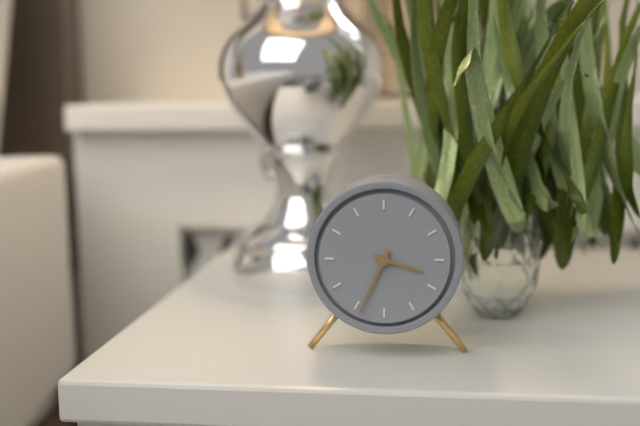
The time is 3:34
